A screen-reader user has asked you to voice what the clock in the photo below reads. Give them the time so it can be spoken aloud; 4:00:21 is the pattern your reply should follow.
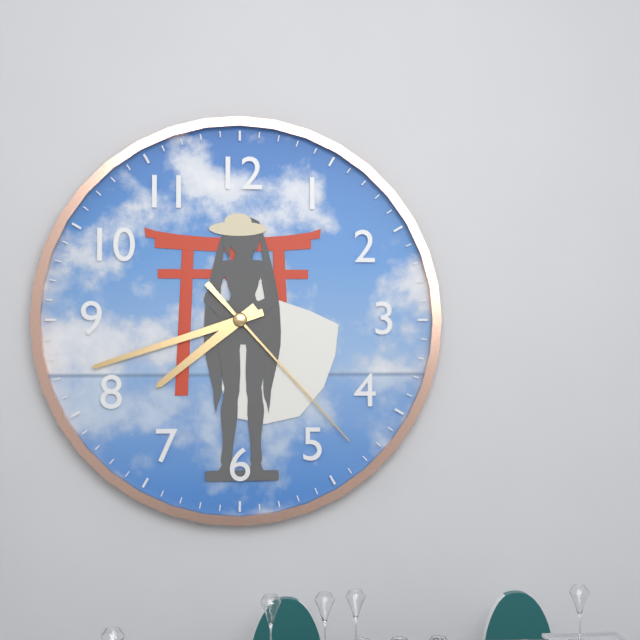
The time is 7:42:23
